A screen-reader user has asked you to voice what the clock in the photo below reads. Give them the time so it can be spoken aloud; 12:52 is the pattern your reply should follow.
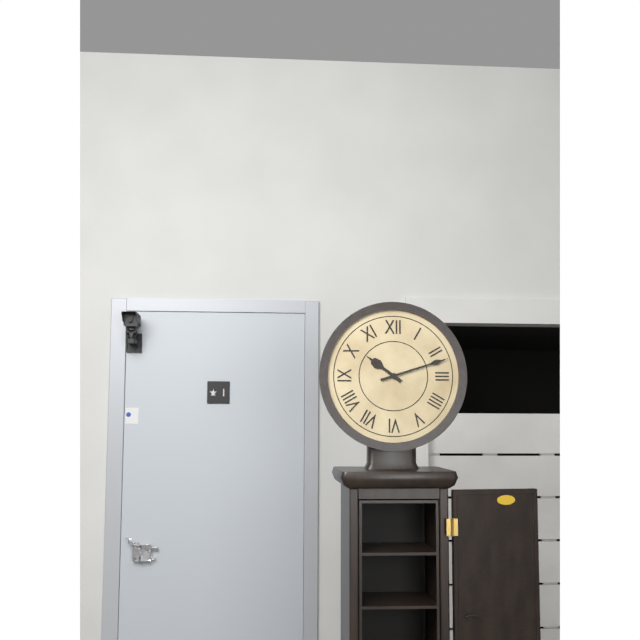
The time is 10:12
